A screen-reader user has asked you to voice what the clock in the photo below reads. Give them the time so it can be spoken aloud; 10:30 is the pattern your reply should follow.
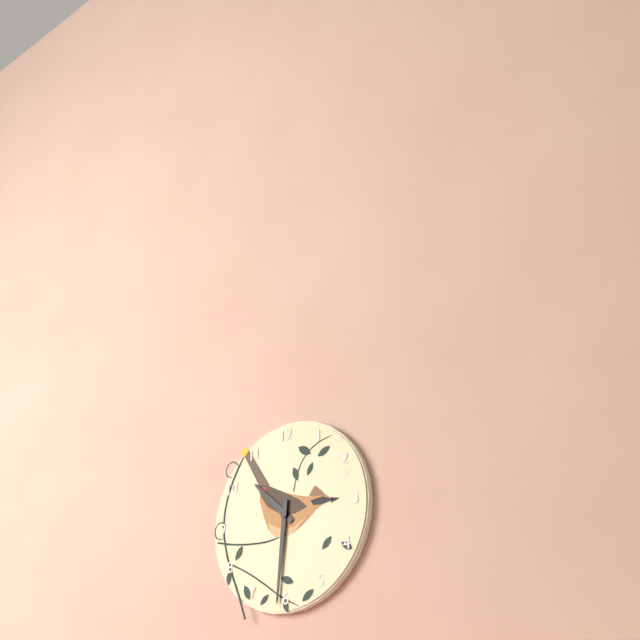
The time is 10:31
